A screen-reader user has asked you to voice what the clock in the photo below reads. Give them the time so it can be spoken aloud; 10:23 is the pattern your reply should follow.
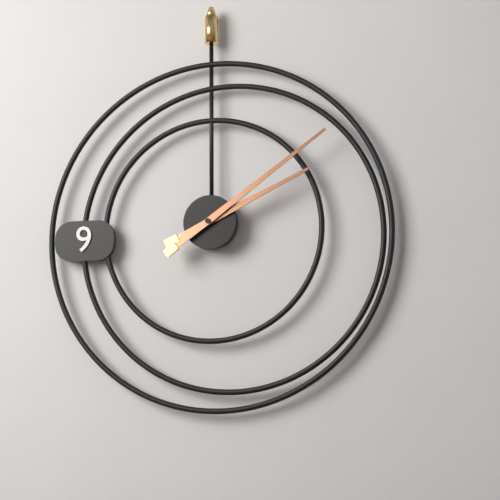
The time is 2:09
